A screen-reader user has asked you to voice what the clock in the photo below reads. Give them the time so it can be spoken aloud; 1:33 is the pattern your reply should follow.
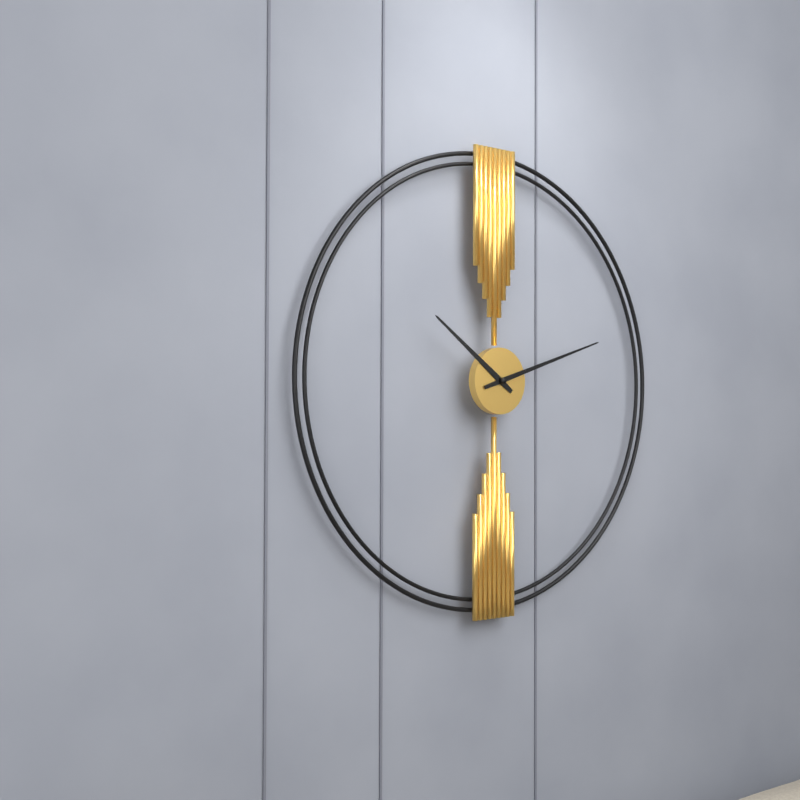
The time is 10:12
